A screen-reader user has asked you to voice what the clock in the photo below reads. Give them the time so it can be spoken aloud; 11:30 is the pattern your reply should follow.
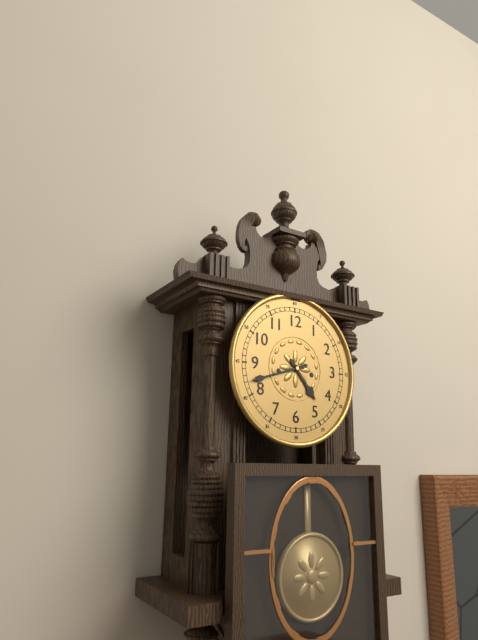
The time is 4:42
